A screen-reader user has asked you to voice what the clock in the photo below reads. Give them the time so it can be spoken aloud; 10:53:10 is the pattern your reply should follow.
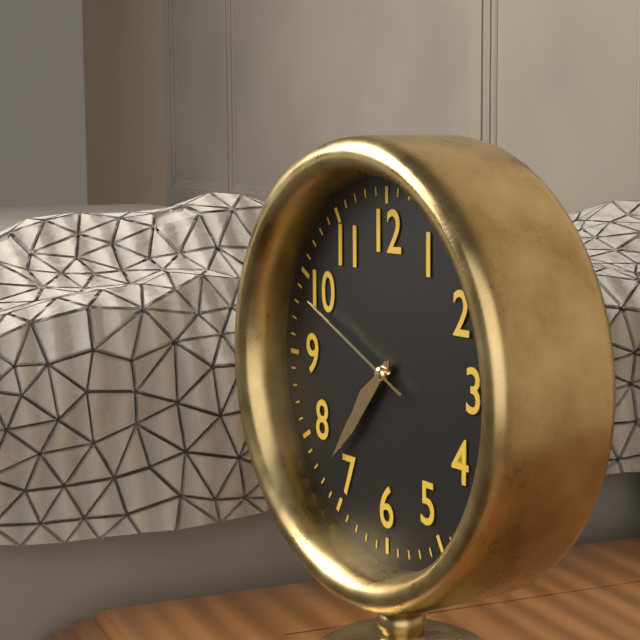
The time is 7:37:49
